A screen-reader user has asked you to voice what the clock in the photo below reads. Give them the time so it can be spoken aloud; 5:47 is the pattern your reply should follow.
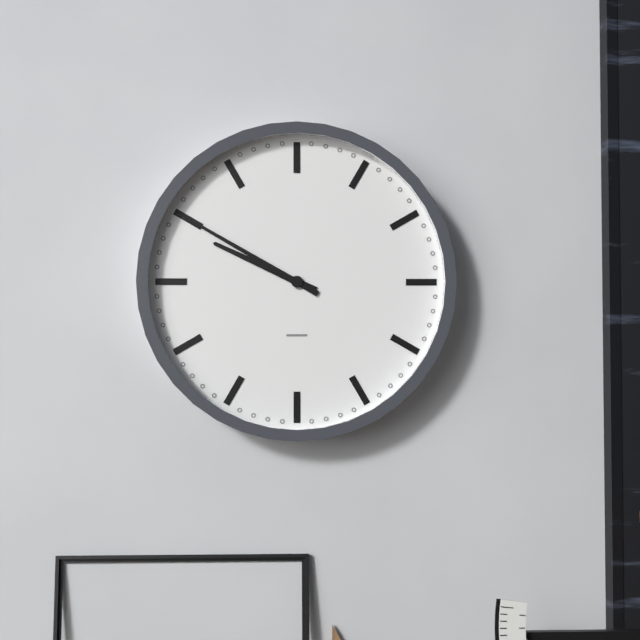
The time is 9:50
